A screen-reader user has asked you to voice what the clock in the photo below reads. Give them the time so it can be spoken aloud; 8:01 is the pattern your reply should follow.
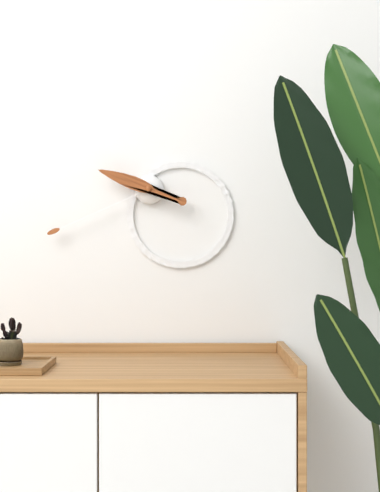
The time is 9:41
